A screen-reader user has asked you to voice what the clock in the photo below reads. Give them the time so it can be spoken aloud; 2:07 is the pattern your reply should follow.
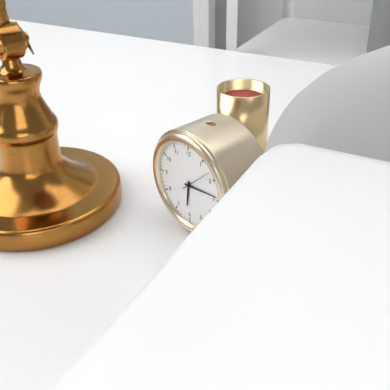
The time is 6:14
